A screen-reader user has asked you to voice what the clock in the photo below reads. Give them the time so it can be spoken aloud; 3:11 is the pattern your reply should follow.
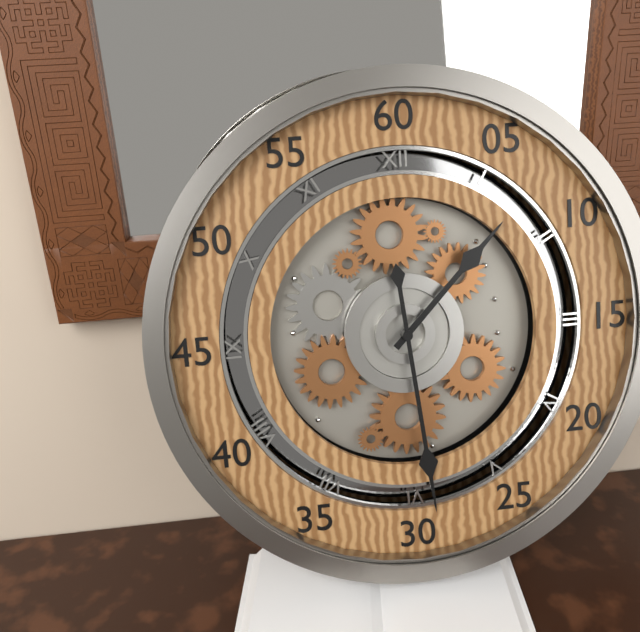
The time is 1:29
